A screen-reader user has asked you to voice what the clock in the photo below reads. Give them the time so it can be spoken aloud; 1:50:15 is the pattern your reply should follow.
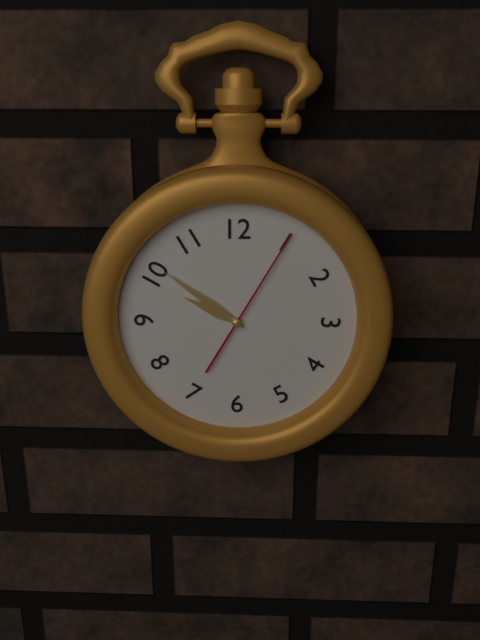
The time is 9:51:05
